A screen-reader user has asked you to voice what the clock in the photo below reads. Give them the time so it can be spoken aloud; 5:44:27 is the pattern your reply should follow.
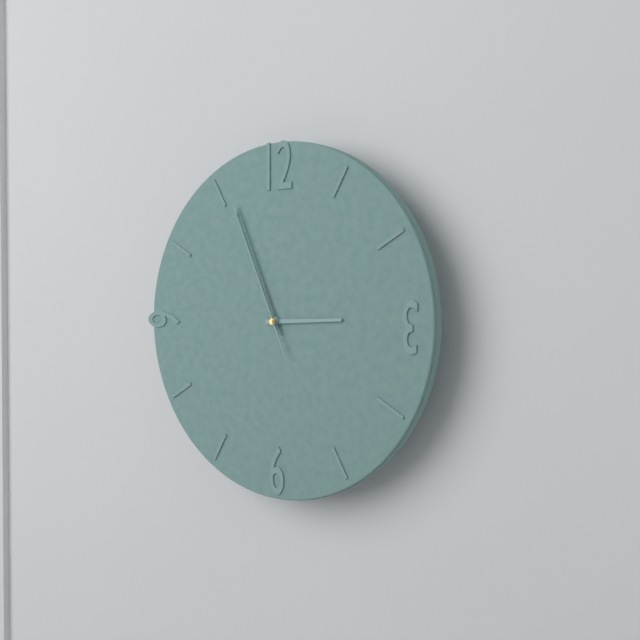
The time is 2:56:56
